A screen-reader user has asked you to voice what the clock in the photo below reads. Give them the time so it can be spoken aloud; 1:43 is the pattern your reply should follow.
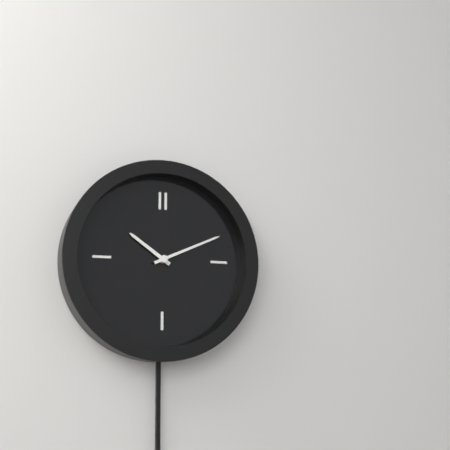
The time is 10:11
